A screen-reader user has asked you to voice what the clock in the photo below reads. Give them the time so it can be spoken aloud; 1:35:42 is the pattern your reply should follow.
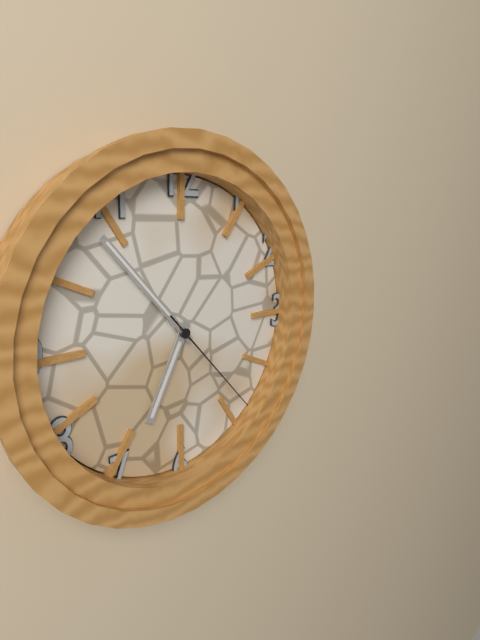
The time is 6:53:23
